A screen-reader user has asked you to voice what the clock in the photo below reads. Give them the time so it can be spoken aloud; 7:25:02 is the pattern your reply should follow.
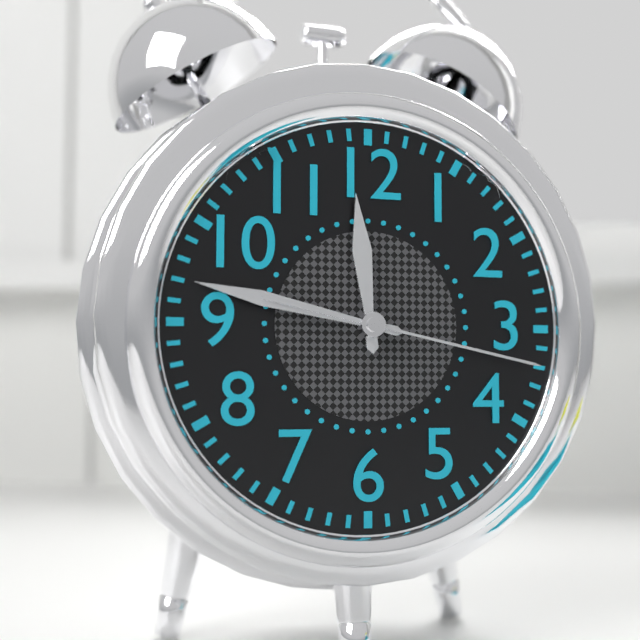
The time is 11:47:17
